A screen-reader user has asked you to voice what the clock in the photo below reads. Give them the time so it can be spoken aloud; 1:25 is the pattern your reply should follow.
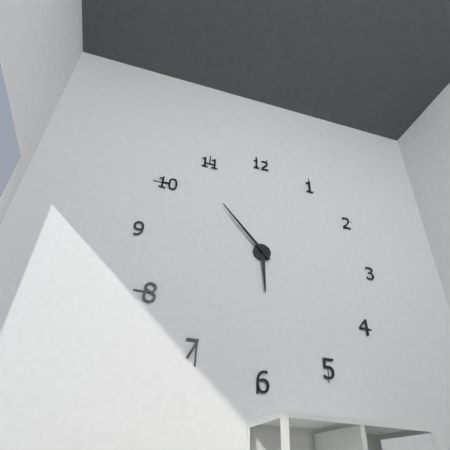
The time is 5:53
